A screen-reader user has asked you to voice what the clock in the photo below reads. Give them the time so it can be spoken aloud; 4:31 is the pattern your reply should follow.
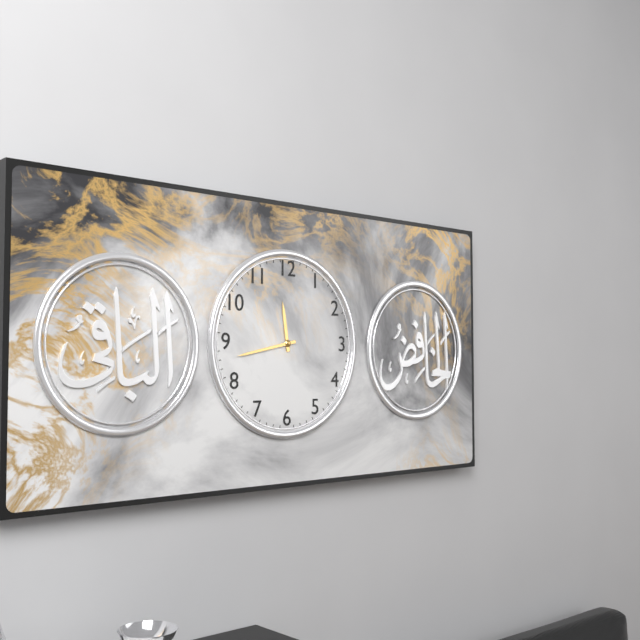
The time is 11:43
